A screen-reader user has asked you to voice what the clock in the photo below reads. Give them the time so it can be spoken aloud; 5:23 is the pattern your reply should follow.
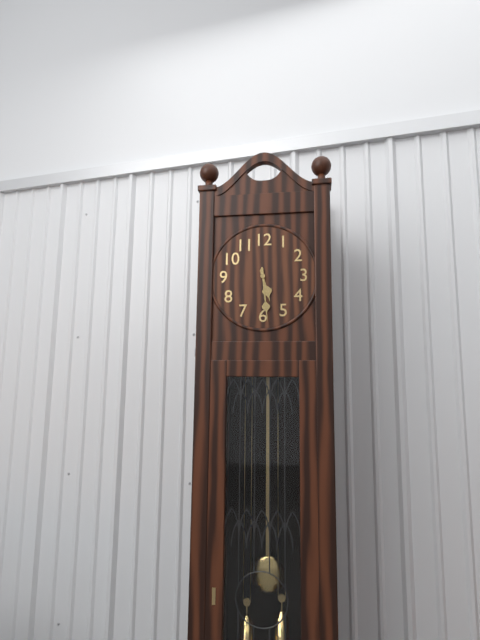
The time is 5:29
